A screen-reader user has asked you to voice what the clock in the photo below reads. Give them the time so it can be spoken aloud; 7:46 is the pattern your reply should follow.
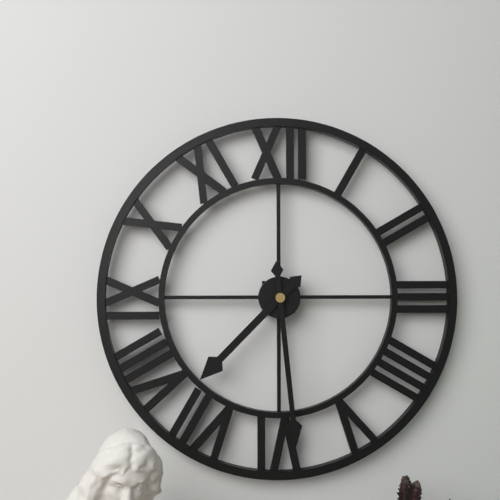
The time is 7:29
